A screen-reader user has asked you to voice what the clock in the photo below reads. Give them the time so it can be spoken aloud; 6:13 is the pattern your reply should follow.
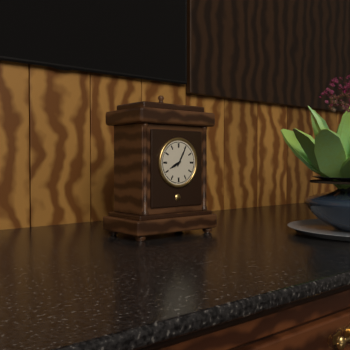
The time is 8:05
